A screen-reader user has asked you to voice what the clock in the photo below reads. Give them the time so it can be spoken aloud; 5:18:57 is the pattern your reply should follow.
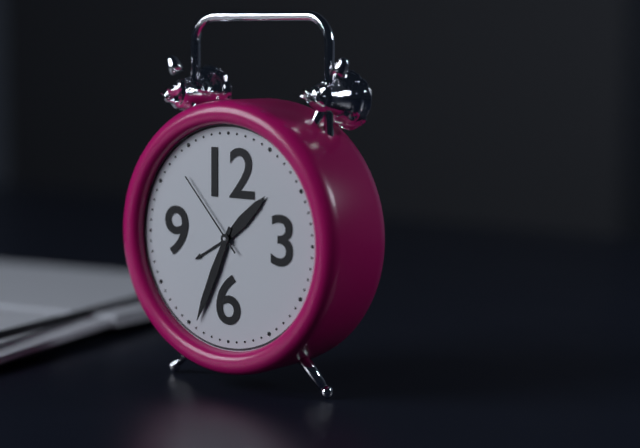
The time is 1:34:53
